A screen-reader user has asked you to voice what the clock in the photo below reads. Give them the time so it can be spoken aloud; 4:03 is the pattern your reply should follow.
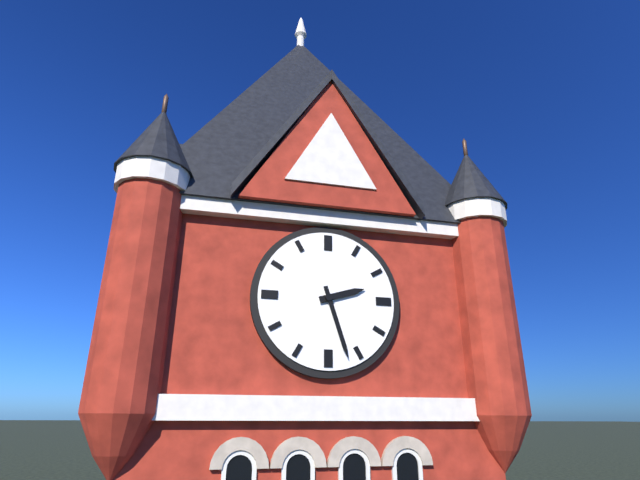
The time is 2:27
